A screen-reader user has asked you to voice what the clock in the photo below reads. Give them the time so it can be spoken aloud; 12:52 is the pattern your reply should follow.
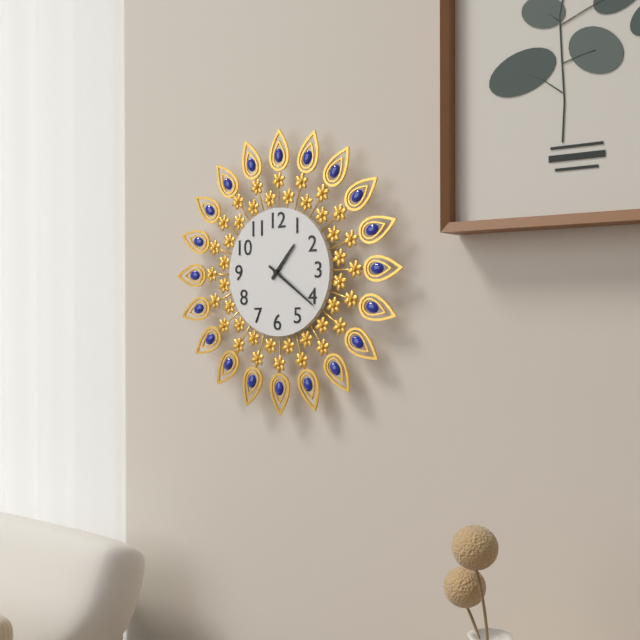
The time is 1:21
